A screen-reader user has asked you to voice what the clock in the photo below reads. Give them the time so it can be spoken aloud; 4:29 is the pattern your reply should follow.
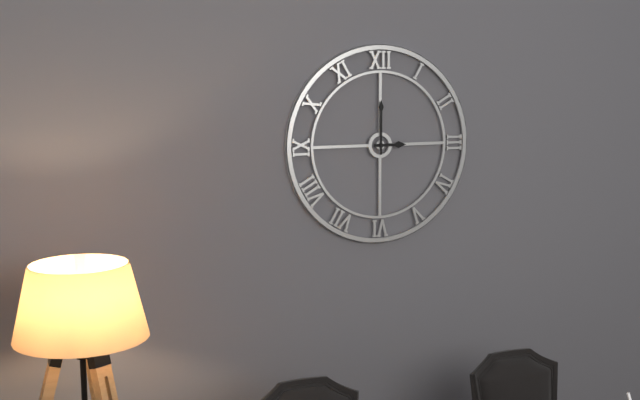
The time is 3:00
